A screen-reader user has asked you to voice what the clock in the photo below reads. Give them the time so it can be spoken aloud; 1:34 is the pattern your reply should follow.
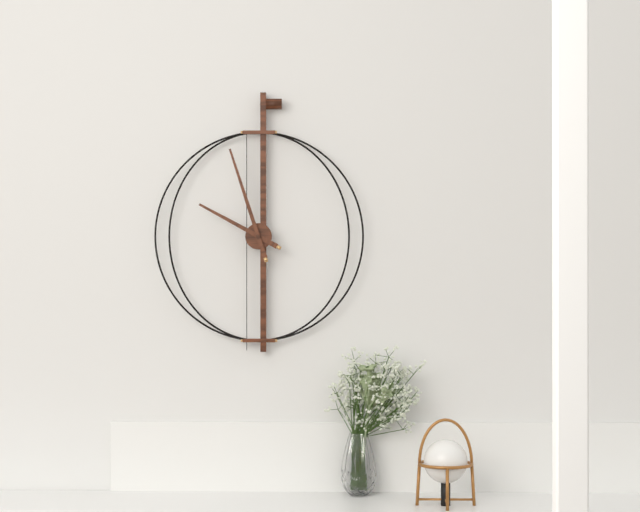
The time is 9:57
